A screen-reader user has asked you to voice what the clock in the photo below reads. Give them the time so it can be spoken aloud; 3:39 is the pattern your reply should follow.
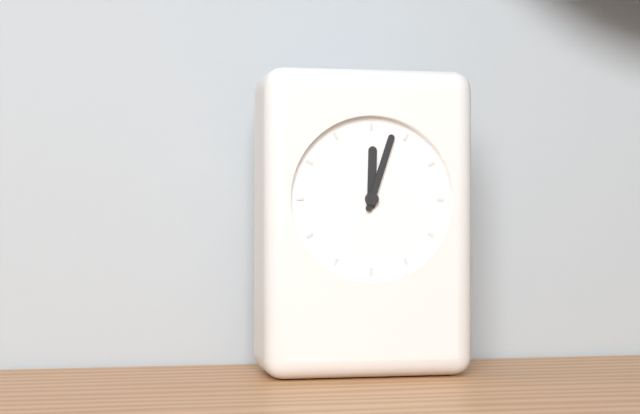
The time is 12:03
